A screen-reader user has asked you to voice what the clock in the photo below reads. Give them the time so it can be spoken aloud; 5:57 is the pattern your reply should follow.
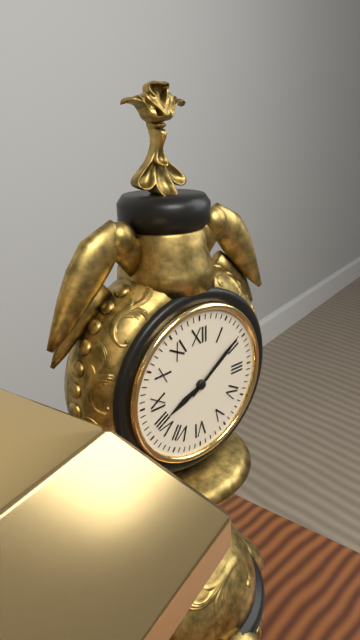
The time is 8:09
